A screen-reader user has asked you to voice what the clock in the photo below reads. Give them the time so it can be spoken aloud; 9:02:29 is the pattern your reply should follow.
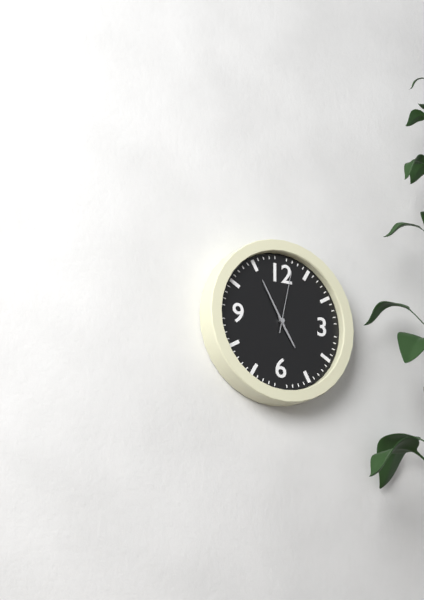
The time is 4:55:02
